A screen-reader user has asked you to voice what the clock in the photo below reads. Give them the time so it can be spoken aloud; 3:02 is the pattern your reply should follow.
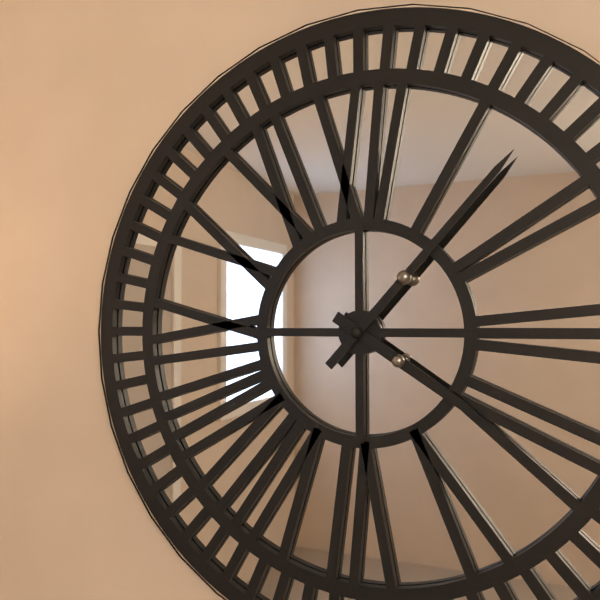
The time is 4:07
